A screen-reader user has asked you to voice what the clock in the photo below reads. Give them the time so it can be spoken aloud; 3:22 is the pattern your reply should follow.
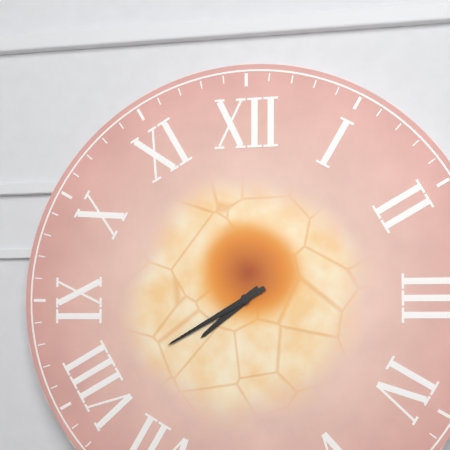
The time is 7:40
